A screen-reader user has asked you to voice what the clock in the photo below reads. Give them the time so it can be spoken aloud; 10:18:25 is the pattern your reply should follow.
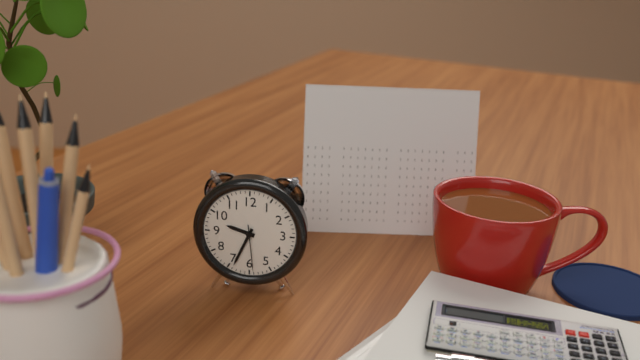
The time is 9:34:29
